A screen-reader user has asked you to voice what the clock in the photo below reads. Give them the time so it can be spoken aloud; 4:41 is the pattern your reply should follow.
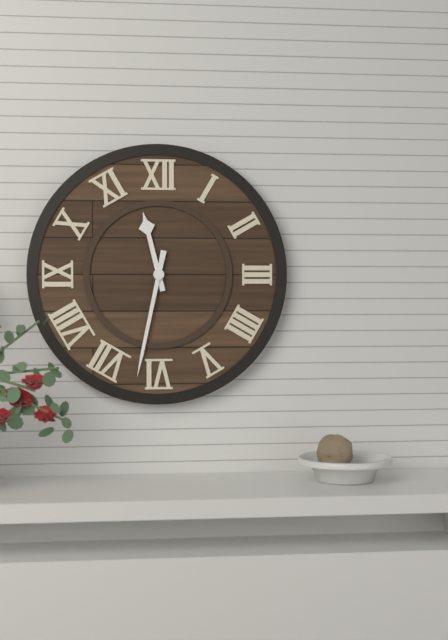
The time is 11:32
